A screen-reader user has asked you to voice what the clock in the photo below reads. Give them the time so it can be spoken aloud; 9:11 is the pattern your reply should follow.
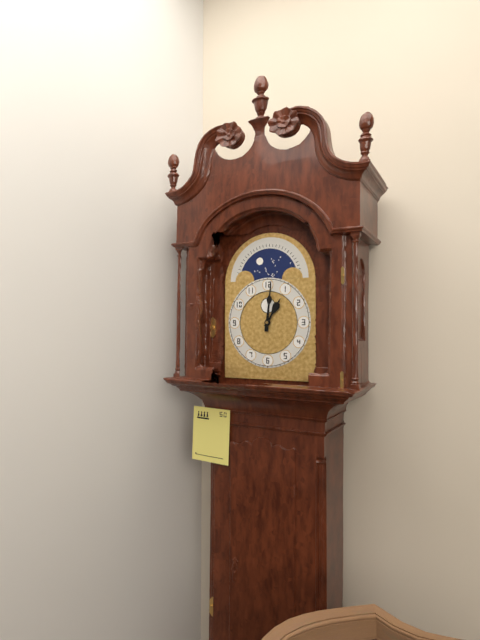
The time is 1:01
